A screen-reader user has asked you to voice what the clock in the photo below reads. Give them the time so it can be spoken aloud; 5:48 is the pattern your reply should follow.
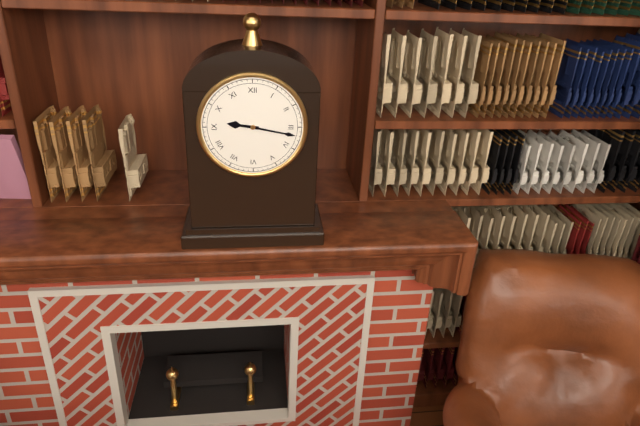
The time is 9:17
